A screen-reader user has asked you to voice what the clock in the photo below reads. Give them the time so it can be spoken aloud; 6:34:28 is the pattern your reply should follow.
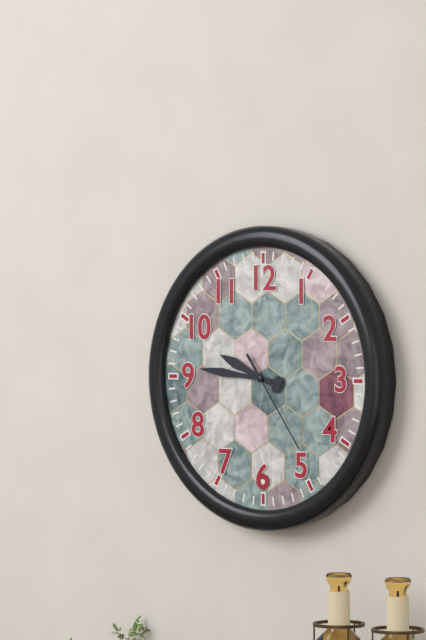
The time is 9:46:24
